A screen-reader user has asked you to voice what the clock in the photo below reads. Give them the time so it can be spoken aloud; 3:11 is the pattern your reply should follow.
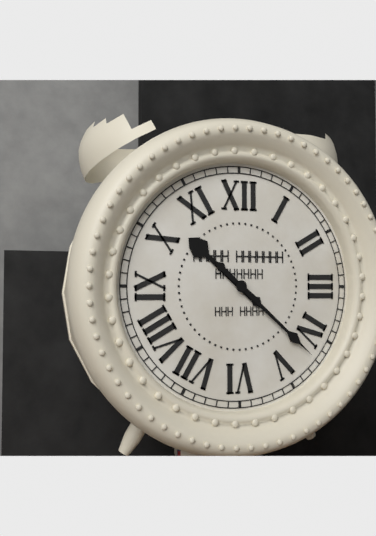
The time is 10:22
